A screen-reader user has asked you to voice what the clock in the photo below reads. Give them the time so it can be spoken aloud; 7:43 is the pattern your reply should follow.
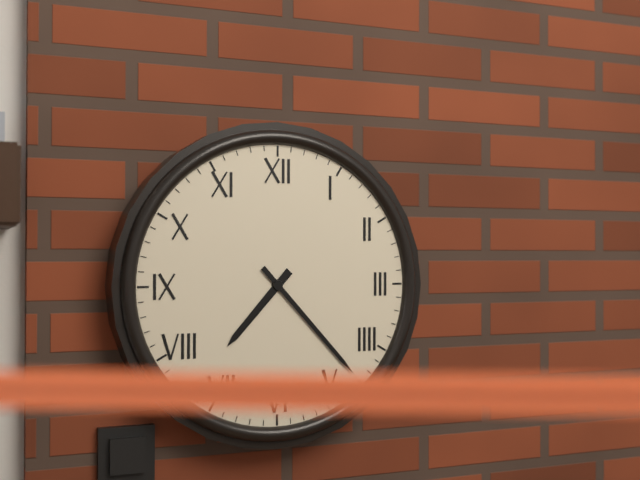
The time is 7:23
